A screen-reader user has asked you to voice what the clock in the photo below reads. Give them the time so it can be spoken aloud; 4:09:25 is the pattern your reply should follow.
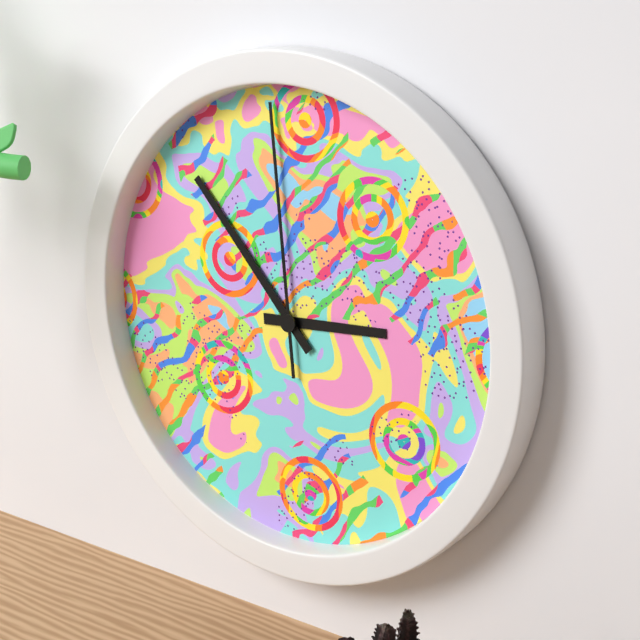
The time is 2:53:59
